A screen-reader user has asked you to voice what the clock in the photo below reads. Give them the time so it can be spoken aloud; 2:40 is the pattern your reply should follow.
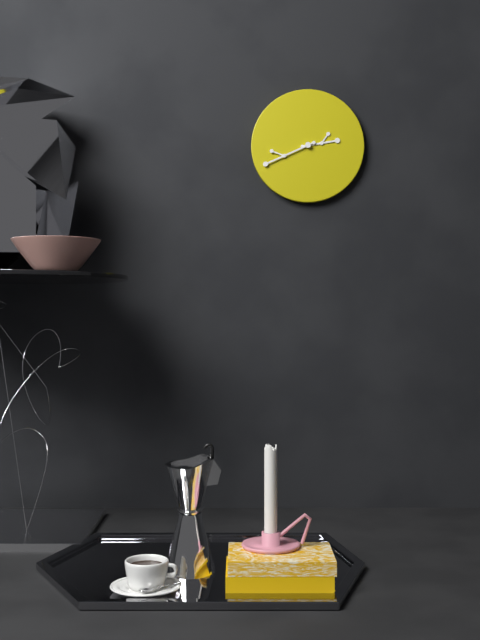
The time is 2:41
